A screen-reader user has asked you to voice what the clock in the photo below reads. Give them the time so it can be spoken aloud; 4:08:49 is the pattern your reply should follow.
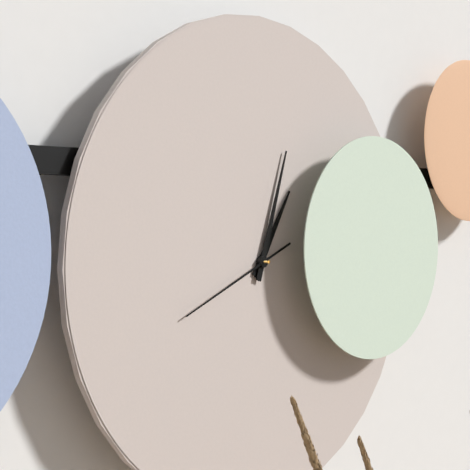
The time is 1:03:41
